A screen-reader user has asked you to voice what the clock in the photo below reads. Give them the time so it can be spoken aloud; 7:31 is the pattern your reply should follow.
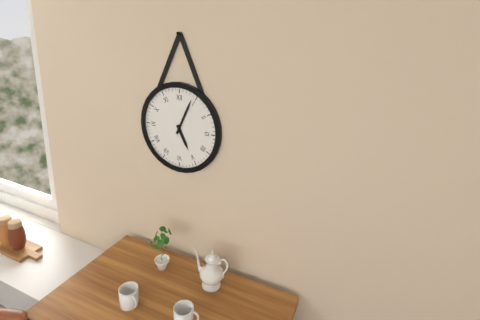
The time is 5:04
